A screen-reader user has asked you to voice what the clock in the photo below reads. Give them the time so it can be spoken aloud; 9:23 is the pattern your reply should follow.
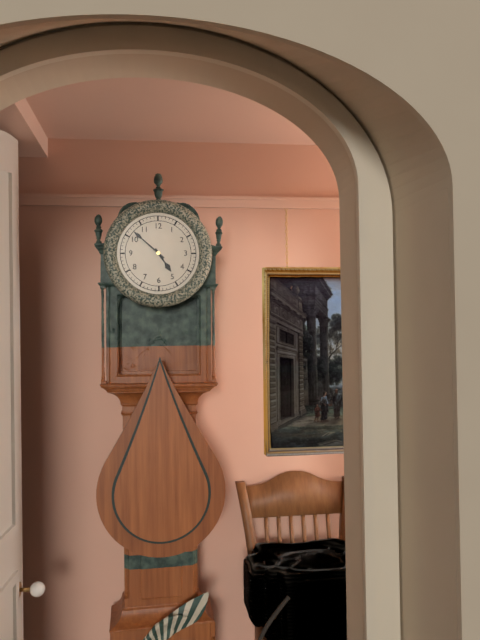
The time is 4:52
